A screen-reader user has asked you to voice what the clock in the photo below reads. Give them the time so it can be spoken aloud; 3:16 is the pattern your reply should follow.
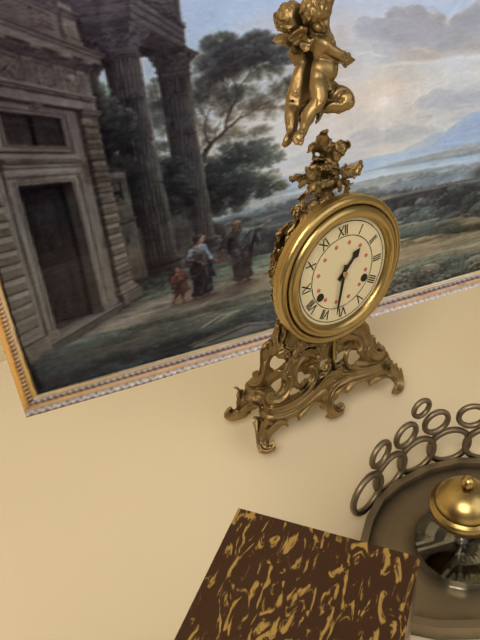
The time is 1:32
